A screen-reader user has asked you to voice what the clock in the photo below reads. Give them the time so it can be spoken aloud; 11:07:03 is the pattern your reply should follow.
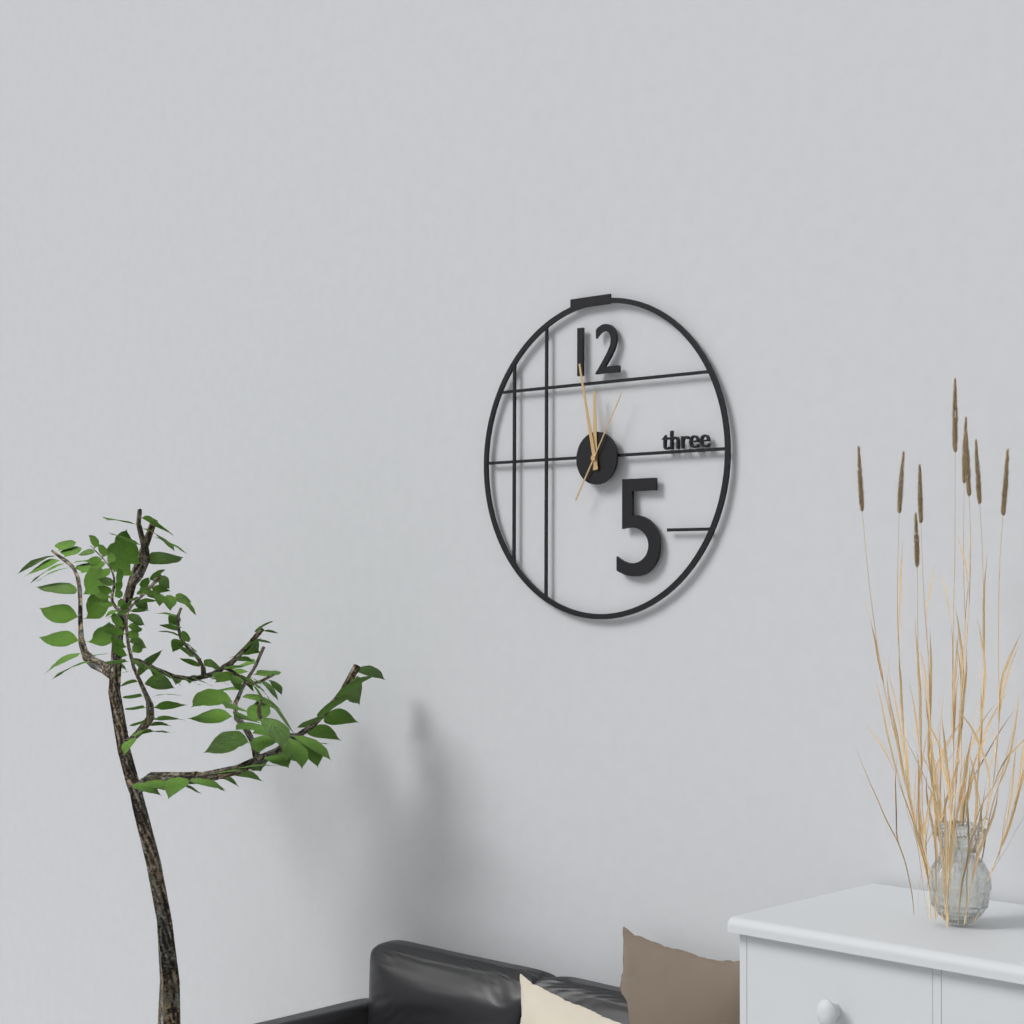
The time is 11:58:05
